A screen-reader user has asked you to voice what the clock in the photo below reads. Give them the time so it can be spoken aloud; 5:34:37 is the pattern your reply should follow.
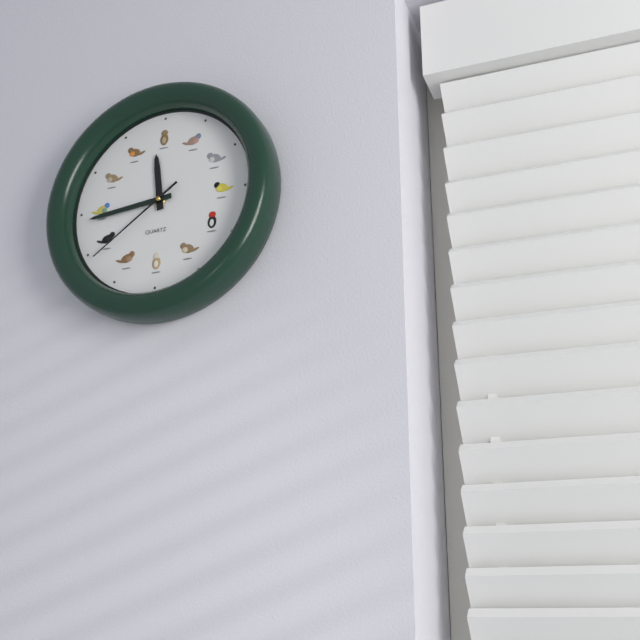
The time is 11:44:39
